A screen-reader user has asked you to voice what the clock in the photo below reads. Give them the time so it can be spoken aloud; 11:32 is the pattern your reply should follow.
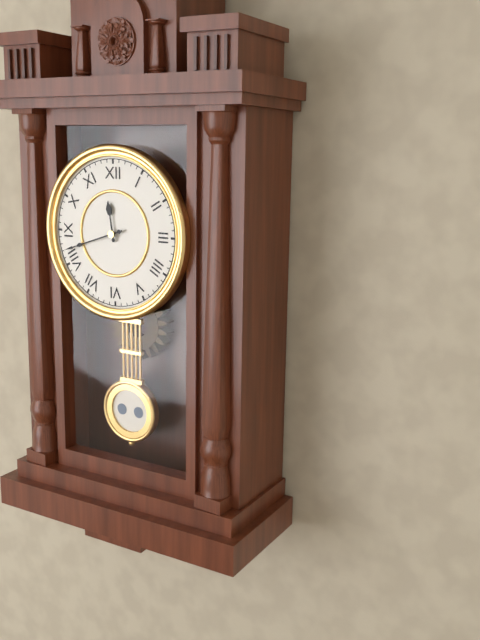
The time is 11:42
